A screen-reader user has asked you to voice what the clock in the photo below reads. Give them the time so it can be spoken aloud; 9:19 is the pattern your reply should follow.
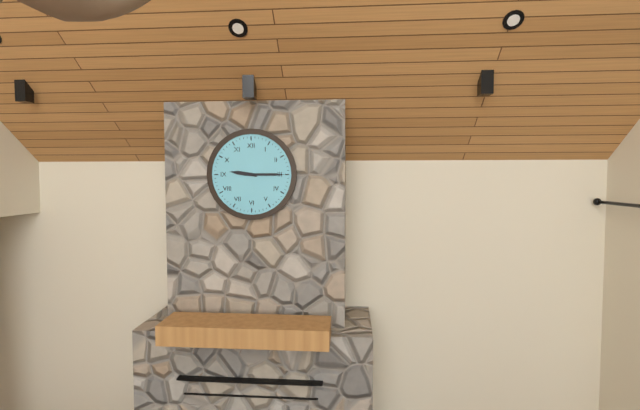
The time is 9:15
